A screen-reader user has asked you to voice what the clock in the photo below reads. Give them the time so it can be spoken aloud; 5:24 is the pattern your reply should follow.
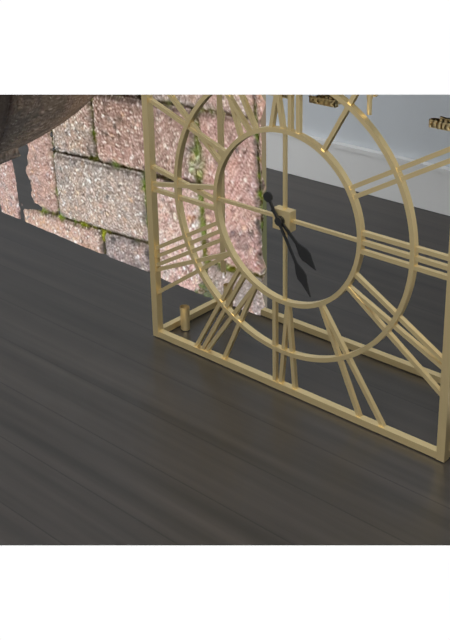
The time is 4:25
